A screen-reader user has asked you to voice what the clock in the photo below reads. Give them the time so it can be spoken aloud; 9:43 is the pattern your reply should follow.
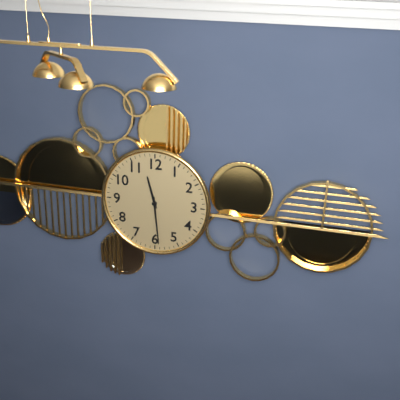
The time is 11:29
